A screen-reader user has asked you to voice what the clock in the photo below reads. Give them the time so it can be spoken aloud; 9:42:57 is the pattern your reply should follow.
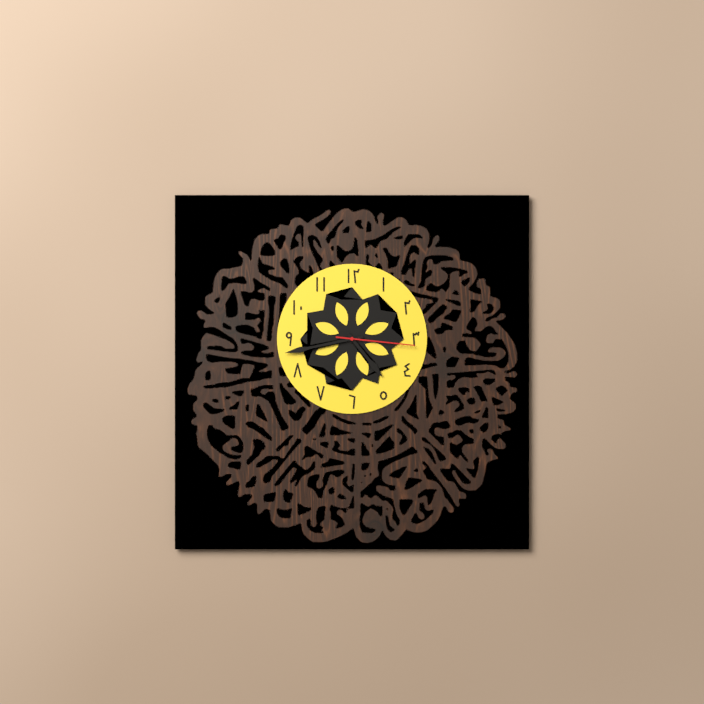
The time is 4:43:16
